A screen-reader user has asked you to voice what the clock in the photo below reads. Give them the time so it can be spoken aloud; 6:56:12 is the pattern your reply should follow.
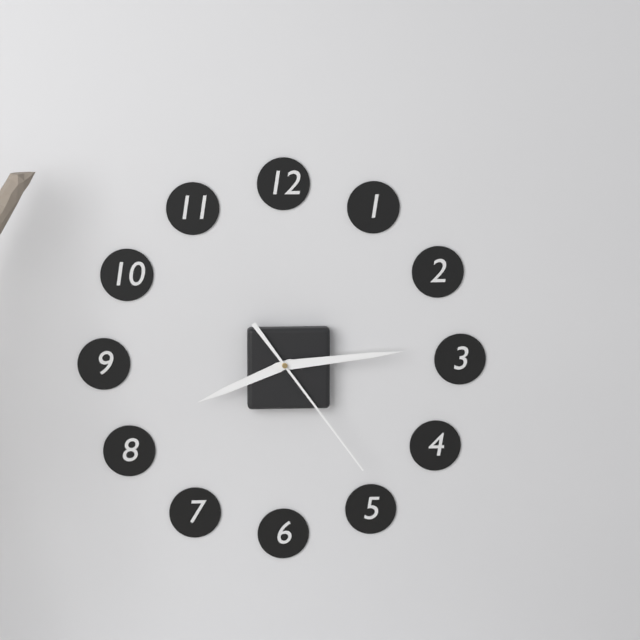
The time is 8:14:24
